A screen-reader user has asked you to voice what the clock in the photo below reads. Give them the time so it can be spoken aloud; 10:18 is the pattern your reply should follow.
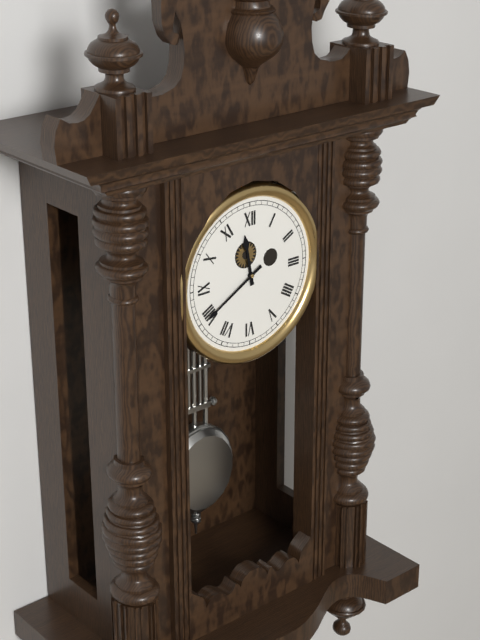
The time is 11:40
